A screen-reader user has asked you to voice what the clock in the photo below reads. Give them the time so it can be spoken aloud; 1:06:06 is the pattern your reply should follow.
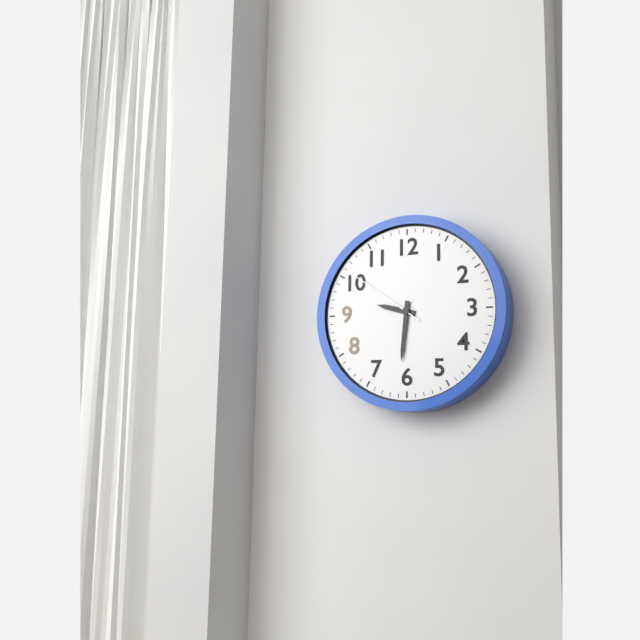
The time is 9:31:51
